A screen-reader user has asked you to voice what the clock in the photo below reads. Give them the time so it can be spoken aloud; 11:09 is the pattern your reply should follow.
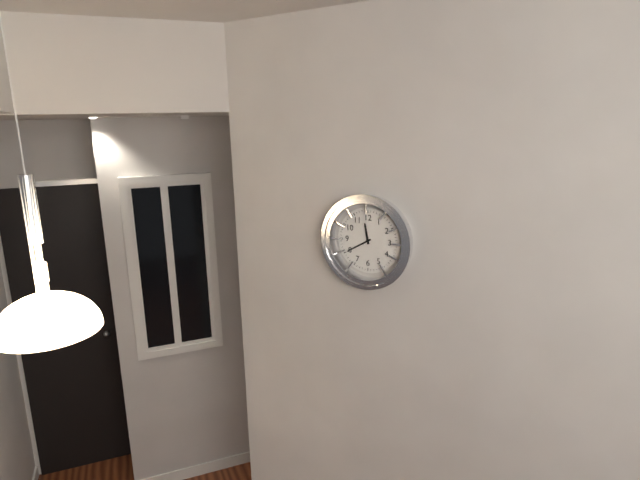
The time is 11:40
